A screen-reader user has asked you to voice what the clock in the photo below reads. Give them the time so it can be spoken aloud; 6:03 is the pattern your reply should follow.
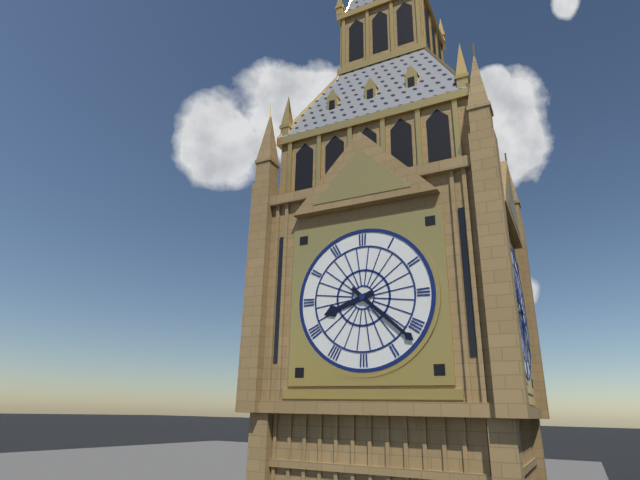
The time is 8:22
